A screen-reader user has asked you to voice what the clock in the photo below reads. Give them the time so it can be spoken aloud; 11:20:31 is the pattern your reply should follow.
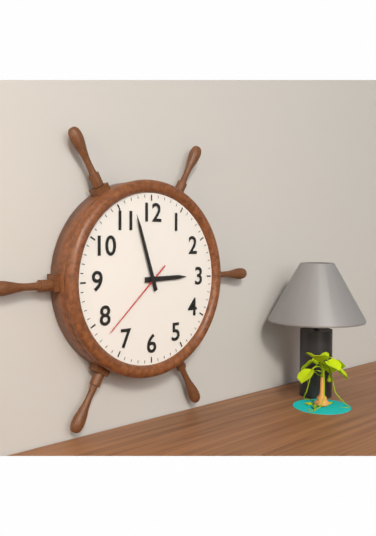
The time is 2:57:38
